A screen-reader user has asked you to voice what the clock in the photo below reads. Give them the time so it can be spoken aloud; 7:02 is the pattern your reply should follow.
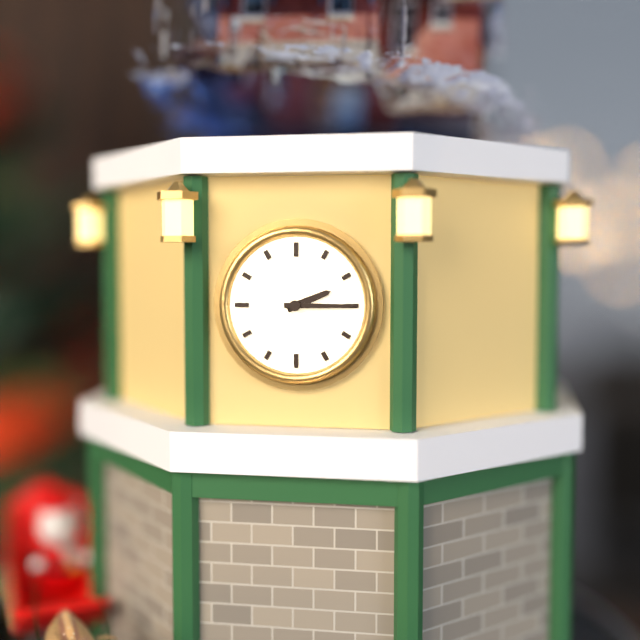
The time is 2:15
